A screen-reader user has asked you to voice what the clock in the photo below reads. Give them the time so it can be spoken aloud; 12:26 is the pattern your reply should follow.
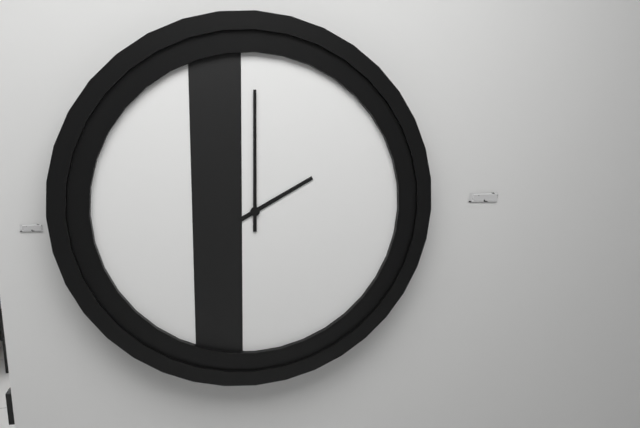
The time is 2:00
